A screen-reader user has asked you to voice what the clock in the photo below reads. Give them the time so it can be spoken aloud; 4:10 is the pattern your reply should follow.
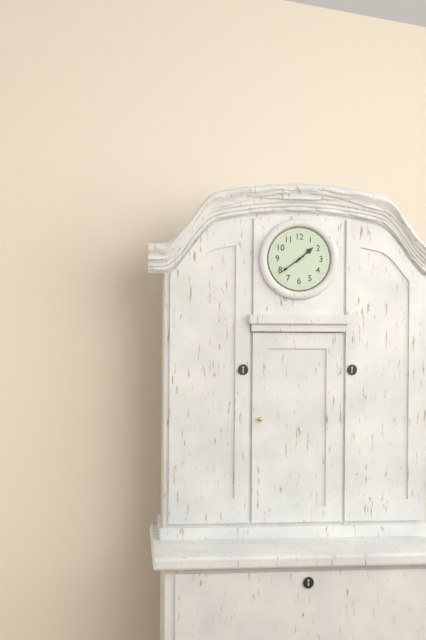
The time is 1:39
